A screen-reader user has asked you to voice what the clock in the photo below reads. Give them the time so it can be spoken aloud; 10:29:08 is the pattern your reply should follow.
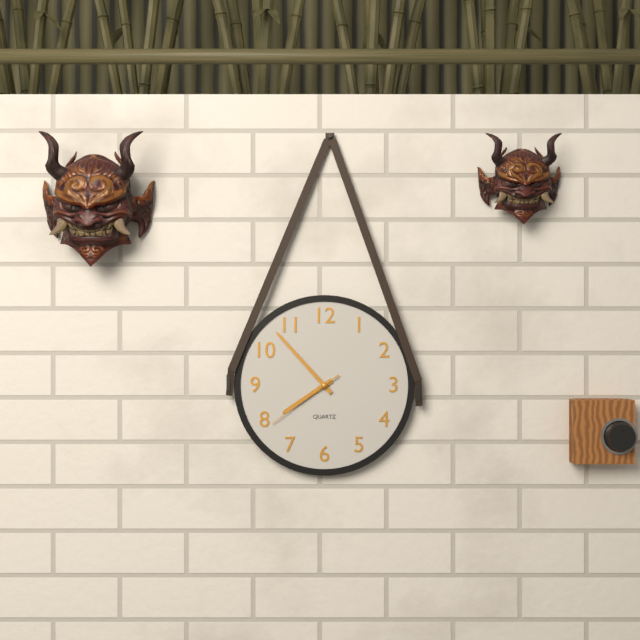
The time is 7:53:39
